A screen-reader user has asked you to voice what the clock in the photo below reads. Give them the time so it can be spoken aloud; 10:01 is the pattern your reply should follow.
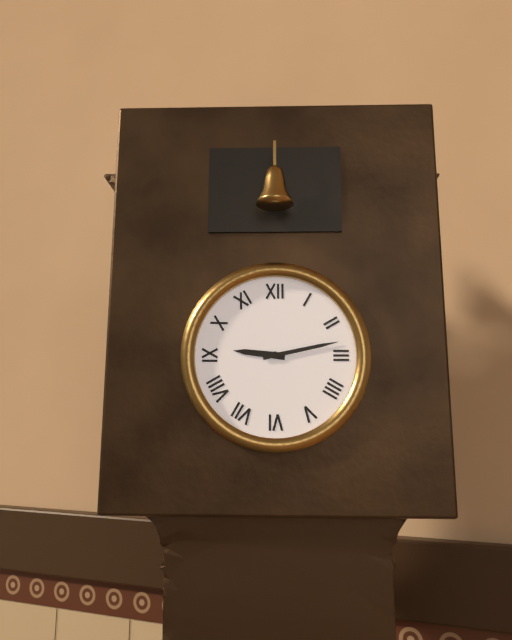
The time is 9:13
